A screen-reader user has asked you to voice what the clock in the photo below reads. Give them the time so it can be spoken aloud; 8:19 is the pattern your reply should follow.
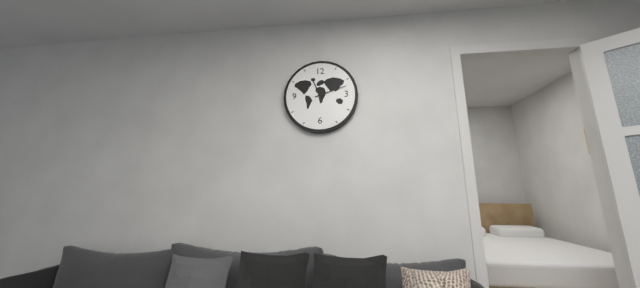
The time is 11:12
